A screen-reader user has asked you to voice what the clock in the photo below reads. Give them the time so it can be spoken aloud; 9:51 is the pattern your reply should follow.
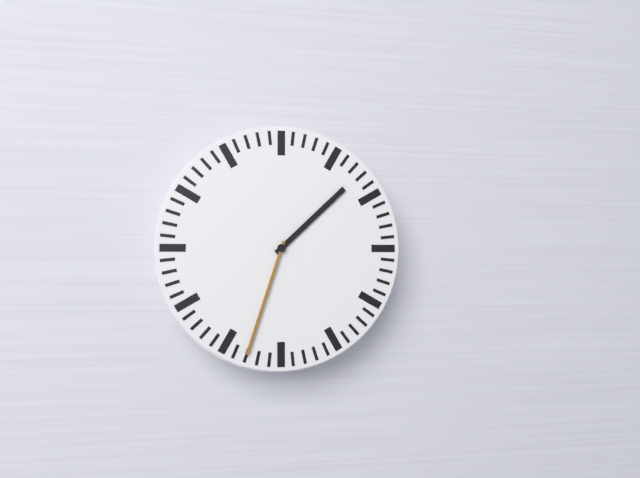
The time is 1:33
